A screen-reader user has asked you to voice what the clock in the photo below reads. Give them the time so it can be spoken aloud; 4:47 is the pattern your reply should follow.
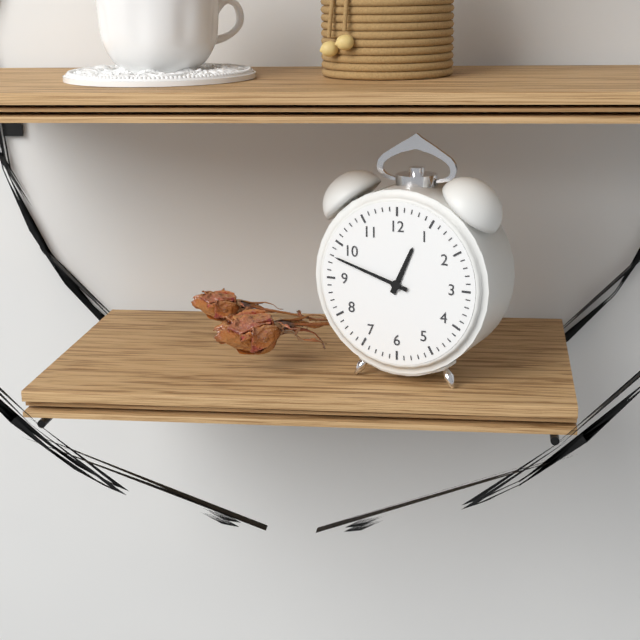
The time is 12:48
